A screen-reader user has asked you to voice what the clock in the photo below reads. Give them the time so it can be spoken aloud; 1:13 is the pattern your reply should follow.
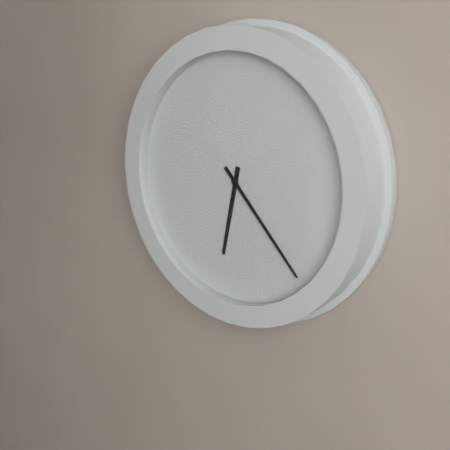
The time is 6:23
